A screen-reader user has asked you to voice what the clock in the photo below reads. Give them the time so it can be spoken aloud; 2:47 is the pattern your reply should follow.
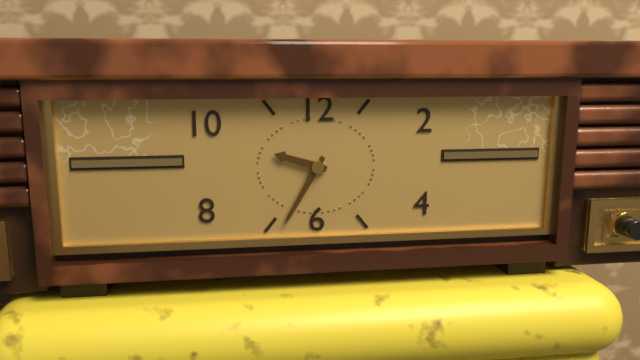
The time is 9:35
